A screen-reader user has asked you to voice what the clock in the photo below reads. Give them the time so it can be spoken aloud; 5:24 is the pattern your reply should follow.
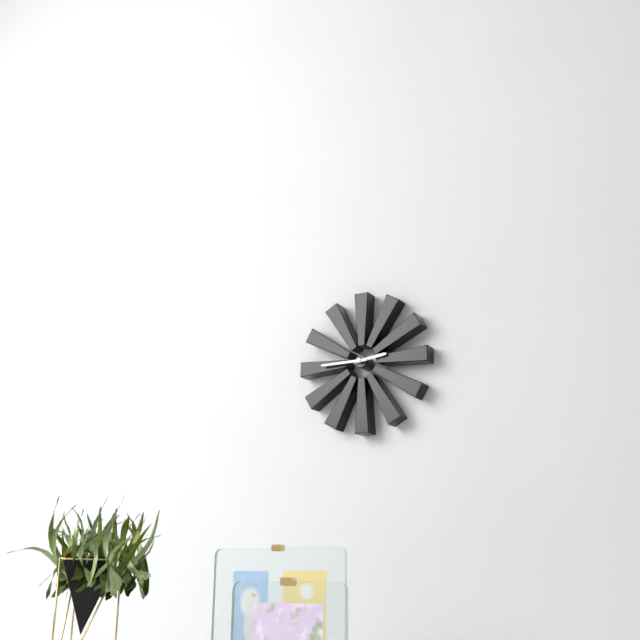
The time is 2:45
